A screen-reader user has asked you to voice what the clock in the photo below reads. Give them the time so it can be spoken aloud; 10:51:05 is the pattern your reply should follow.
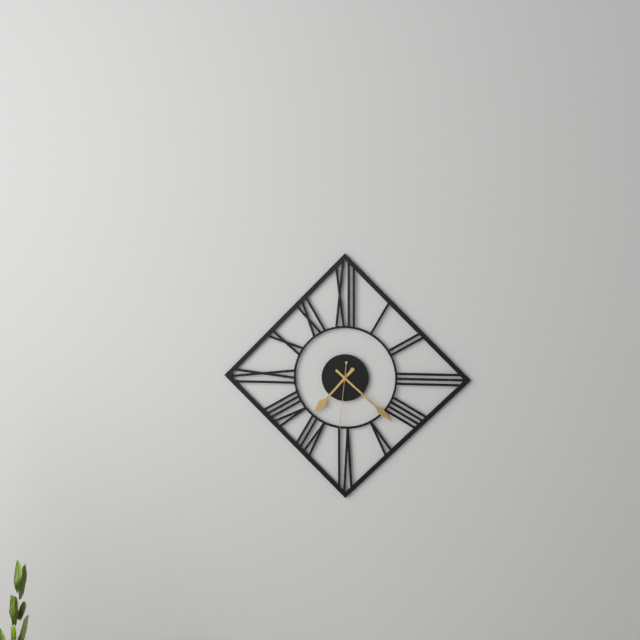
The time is 7:22:31
